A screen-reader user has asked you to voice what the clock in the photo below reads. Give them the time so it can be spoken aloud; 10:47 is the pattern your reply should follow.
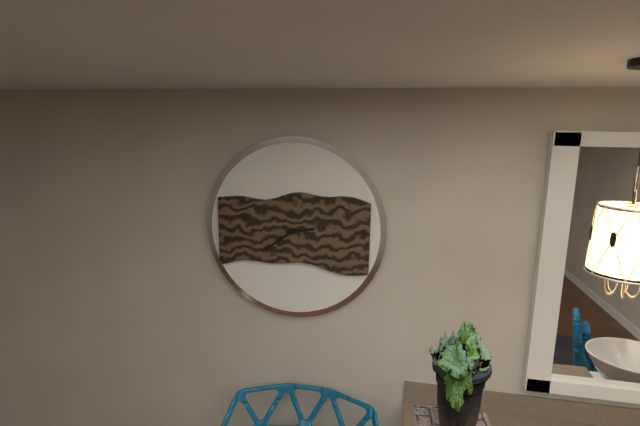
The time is 2:39
